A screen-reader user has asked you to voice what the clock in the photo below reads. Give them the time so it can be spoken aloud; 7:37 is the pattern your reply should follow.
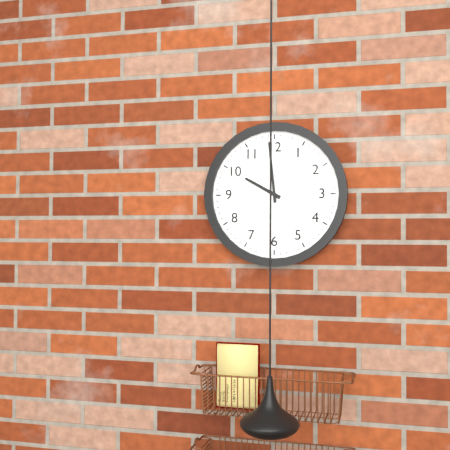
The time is 9:59
